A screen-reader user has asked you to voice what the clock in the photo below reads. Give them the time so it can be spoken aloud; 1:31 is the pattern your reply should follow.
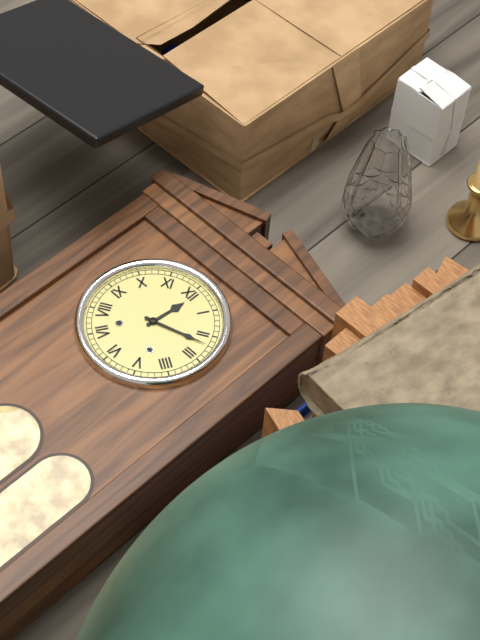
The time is 12:12
